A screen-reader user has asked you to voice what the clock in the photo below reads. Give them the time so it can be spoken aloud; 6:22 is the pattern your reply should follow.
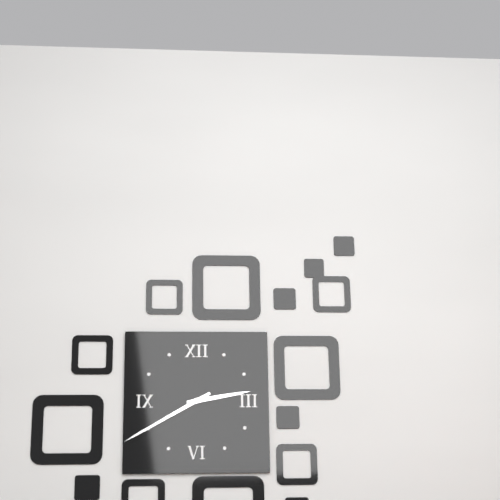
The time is 2:40
